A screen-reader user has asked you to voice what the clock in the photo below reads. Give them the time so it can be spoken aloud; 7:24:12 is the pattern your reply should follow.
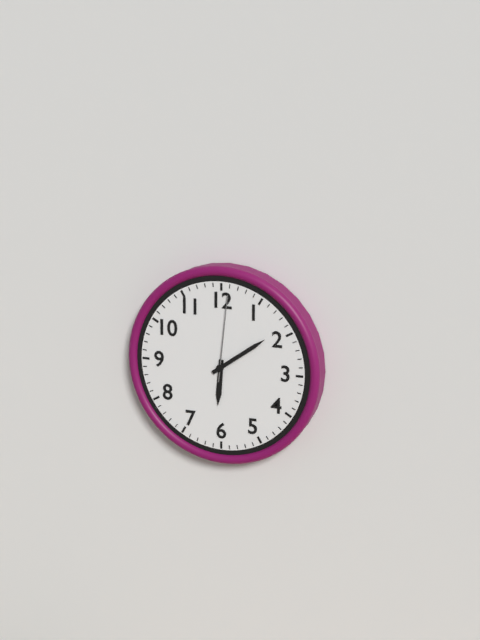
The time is 6:09:01
